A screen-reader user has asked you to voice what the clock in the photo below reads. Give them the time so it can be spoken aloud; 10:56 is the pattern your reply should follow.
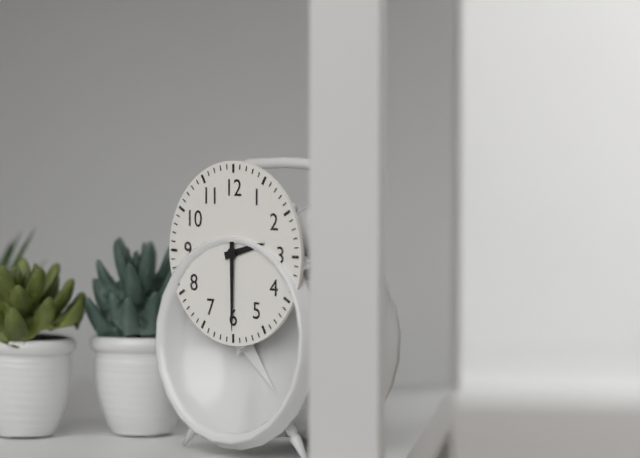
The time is 2:30
